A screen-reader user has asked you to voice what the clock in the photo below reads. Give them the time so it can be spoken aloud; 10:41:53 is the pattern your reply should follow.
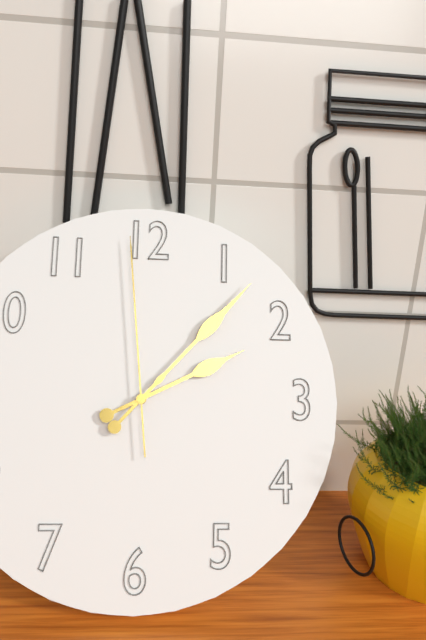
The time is 2:07:59
